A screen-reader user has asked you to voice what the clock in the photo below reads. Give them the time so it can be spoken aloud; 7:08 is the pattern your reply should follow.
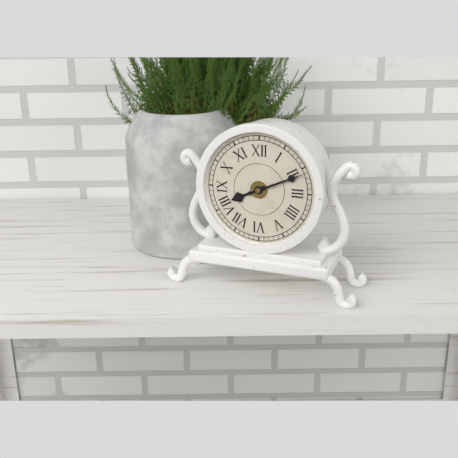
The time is 8:11
